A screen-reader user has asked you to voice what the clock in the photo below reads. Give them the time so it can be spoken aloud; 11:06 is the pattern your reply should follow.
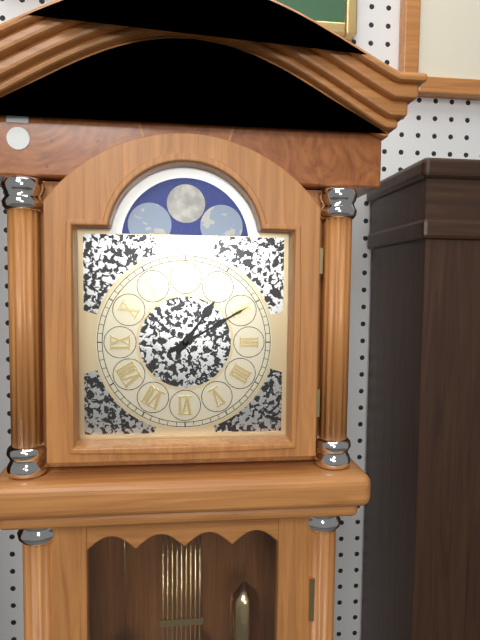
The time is 1:10
